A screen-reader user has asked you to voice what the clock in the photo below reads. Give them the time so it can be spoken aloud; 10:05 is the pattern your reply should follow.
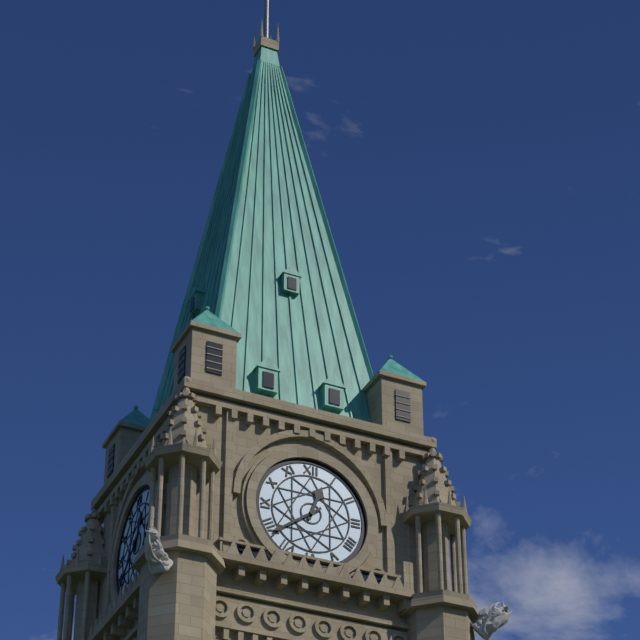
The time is 12:39
